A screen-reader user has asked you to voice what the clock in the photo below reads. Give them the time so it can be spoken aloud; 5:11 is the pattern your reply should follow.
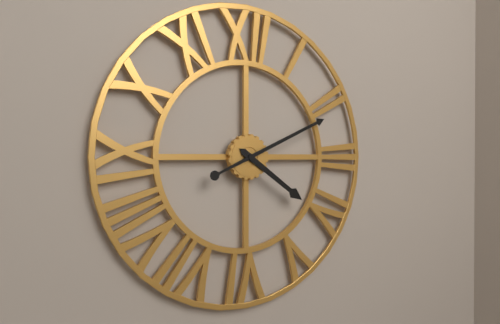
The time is 4:11
